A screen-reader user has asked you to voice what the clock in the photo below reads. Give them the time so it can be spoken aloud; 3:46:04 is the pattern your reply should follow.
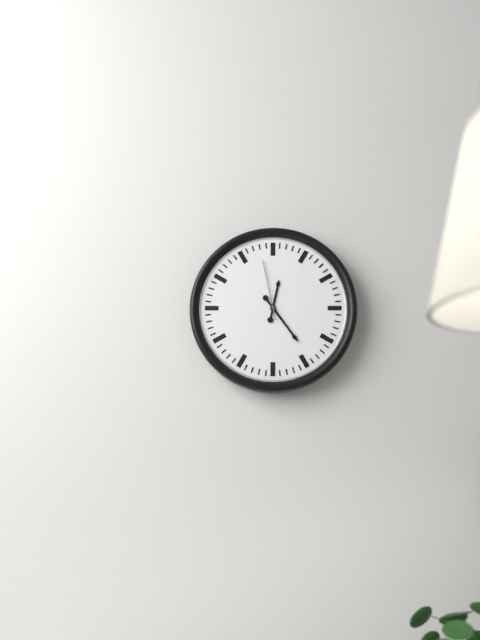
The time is 12:24:58
